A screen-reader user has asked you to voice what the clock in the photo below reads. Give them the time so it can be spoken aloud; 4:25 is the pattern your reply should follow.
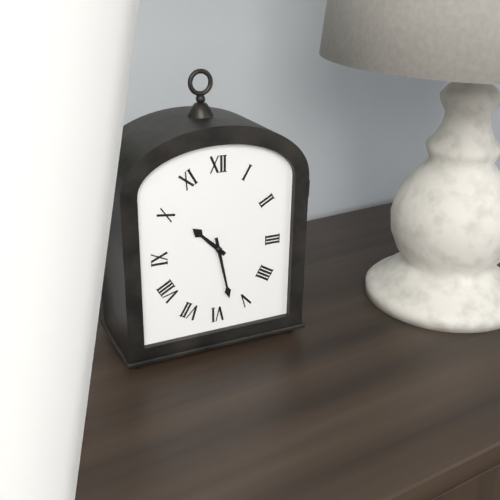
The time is 10:28
